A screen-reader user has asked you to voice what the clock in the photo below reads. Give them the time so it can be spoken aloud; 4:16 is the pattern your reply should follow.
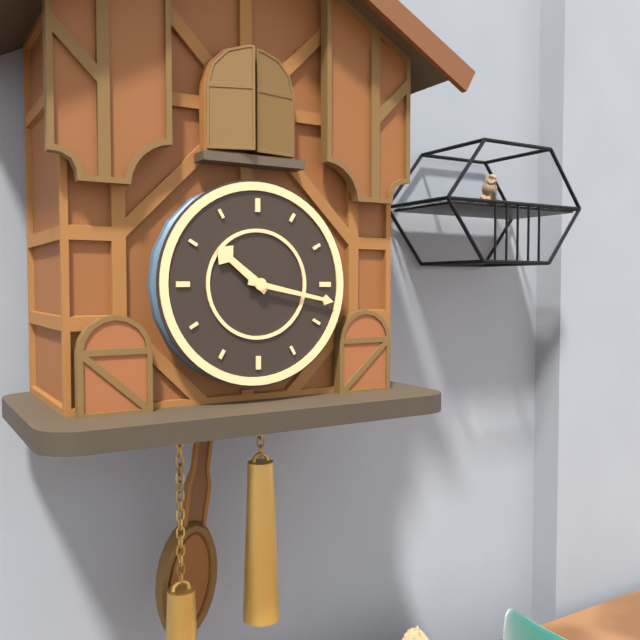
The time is 10:17
